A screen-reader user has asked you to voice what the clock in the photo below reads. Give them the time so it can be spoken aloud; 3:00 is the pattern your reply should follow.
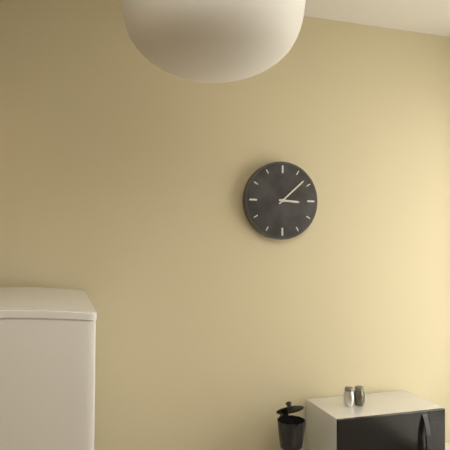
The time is 3:08
